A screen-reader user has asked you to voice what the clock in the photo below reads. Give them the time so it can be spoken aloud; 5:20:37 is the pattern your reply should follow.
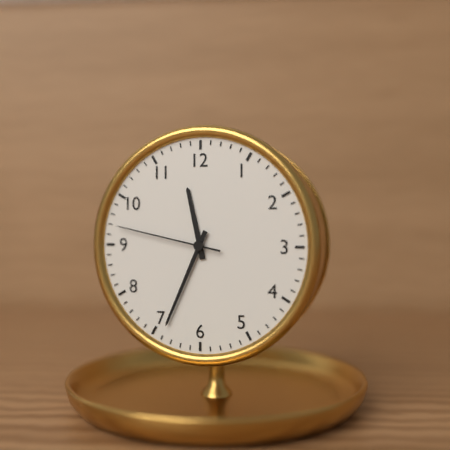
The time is 11:34:47
